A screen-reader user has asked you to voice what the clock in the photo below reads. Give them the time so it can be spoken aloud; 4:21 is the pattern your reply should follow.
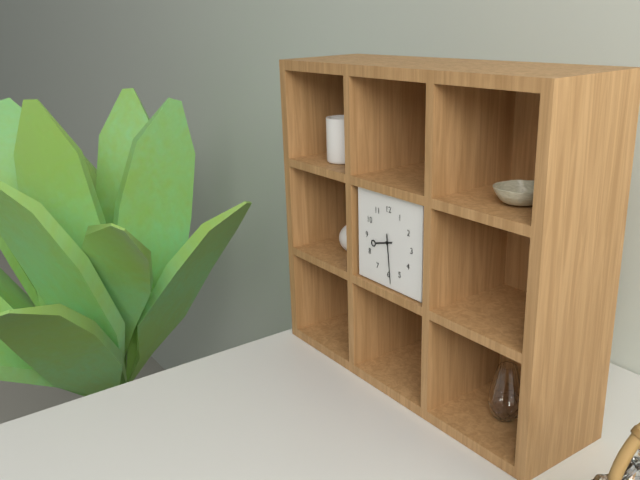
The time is 8:29
